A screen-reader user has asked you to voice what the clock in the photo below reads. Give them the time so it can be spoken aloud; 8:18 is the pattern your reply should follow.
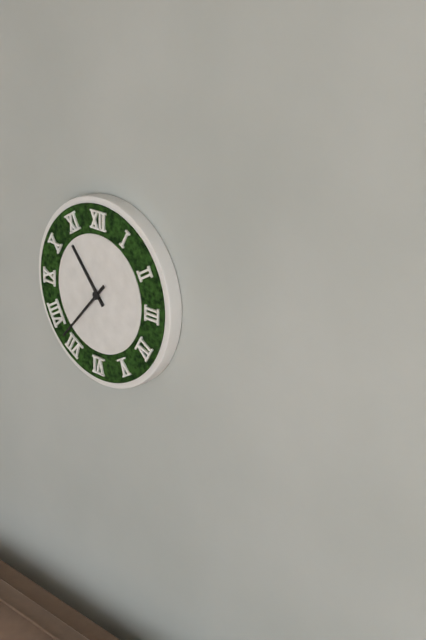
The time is 10:37
